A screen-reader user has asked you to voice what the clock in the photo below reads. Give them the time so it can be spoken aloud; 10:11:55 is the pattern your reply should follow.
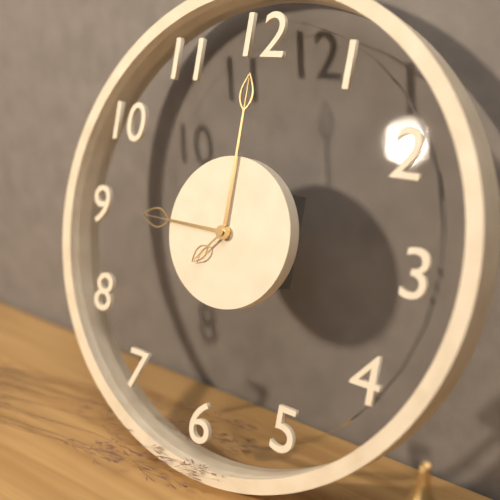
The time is 9:00:37
